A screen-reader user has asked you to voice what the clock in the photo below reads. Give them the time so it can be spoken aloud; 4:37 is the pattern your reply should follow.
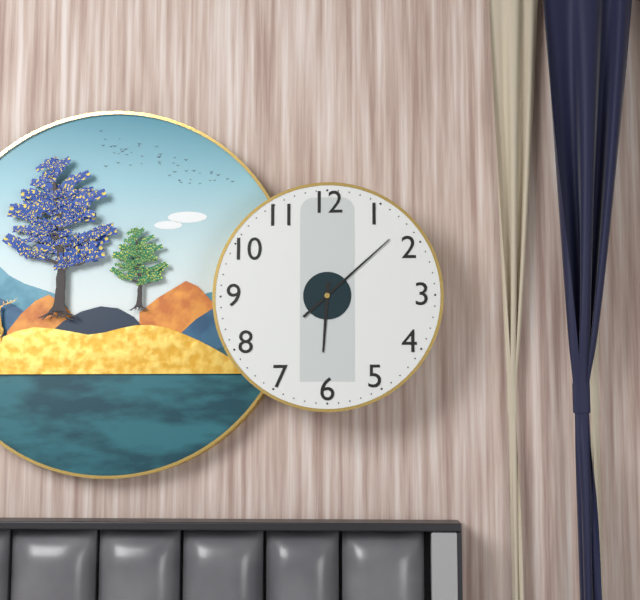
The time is 6:08
